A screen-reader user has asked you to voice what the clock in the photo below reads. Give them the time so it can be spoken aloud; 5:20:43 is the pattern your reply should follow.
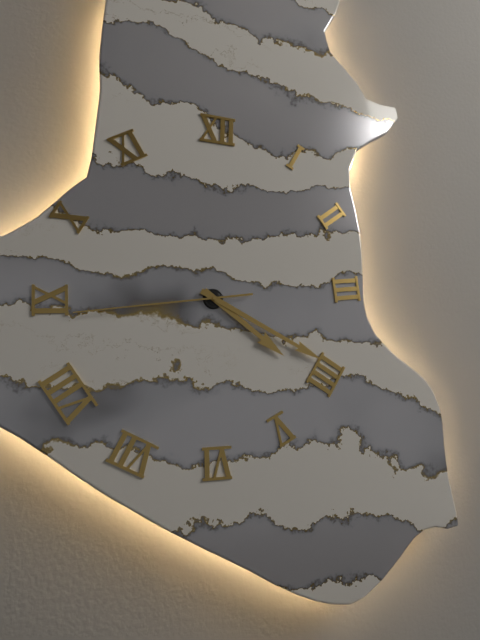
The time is 4:20:44
